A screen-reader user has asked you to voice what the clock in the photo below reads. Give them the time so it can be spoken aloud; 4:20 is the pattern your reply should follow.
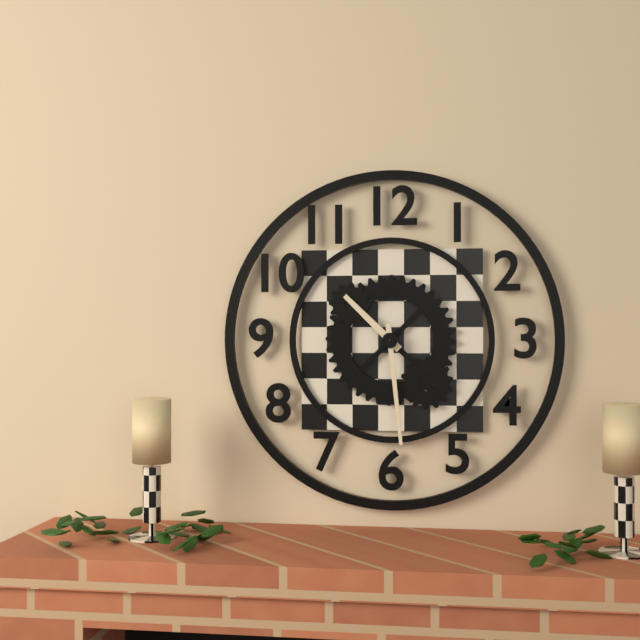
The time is 10:29
